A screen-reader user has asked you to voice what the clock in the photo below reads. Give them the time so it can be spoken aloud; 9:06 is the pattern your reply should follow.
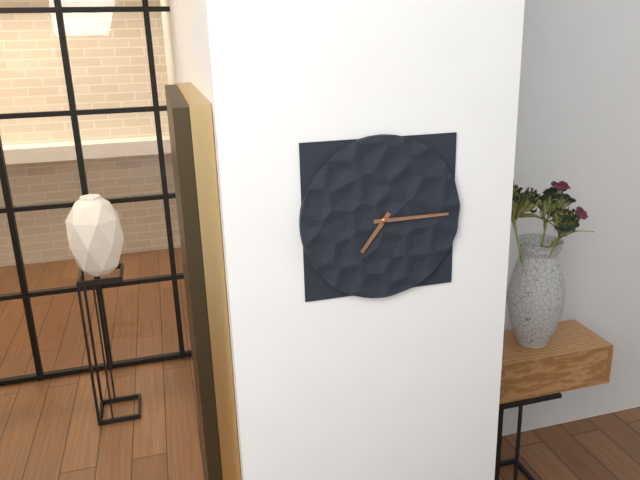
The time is 7:15
